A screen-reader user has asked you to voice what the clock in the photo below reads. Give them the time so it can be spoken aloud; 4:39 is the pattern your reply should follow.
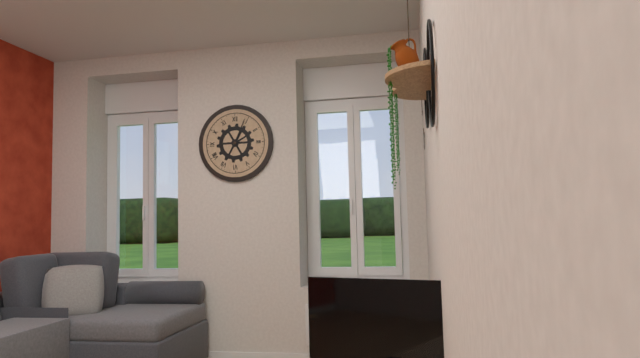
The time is 2:04
